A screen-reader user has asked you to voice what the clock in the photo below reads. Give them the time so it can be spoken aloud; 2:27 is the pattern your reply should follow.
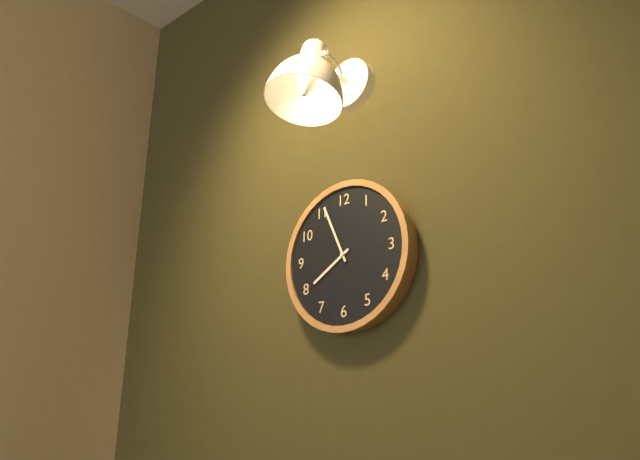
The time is 7:56
